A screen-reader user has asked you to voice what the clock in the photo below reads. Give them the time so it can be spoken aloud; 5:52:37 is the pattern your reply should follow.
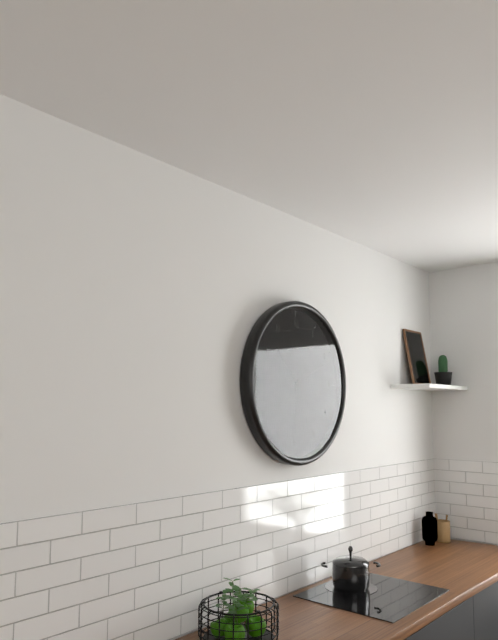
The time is 10:31:11
